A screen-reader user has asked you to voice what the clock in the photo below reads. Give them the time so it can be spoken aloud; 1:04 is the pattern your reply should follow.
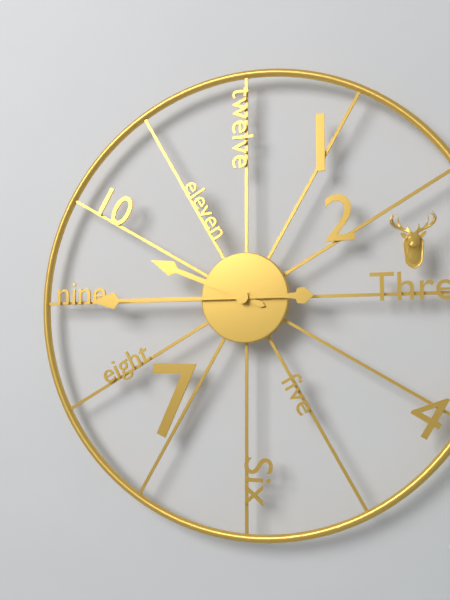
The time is 9:45
